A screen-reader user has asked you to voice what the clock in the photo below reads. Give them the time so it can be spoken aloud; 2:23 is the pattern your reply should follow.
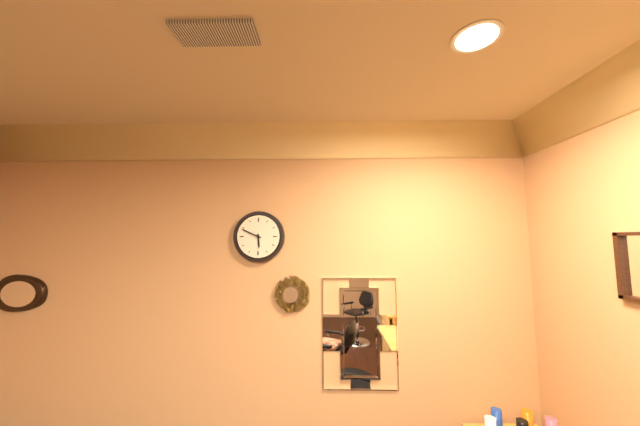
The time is 5:49
